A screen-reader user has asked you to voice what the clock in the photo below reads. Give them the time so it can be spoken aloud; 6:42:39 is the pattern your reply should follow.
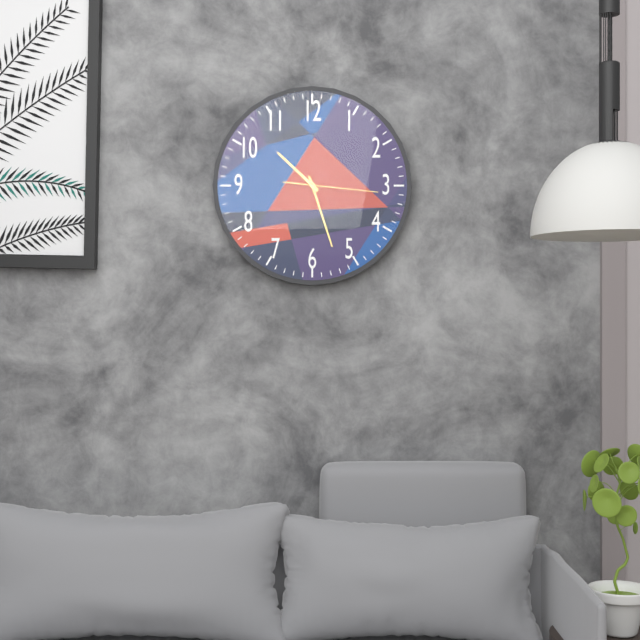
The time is 10:27:16
